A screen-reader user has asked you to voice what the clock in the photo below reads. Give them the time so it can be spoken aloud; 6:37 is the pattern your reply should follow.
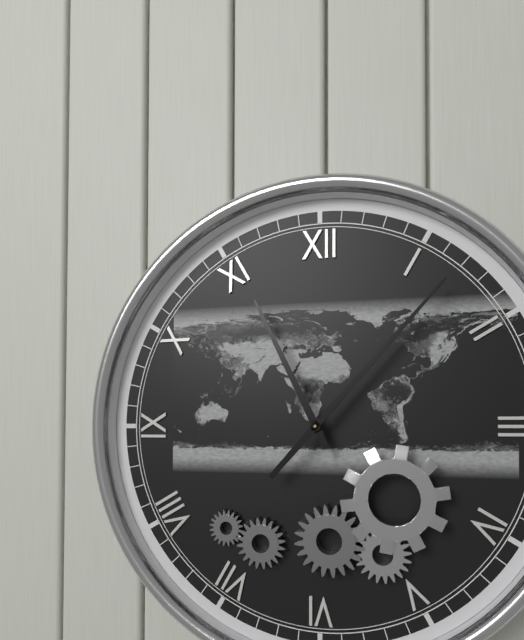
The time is 11:07
